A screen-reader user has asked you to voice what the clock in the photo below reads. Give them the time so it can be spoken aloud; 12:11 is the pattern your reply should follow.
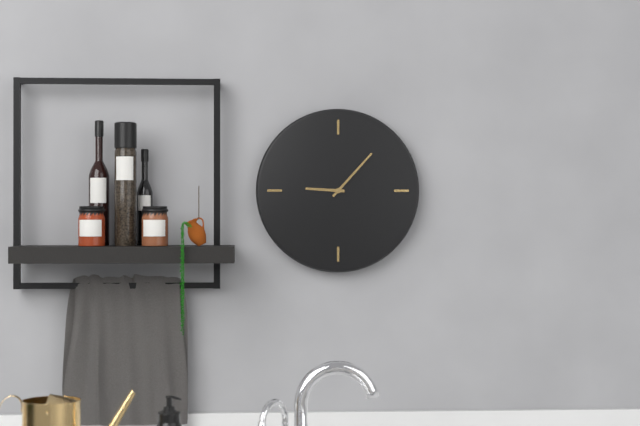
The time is 9:07
